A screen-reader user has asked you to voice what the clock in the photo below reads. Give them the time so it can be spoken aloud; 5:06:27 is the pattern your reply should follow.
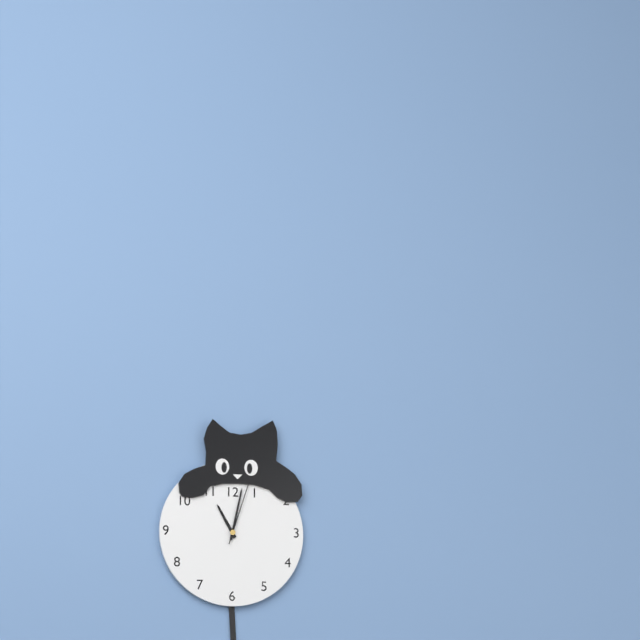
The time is 11:02:03
